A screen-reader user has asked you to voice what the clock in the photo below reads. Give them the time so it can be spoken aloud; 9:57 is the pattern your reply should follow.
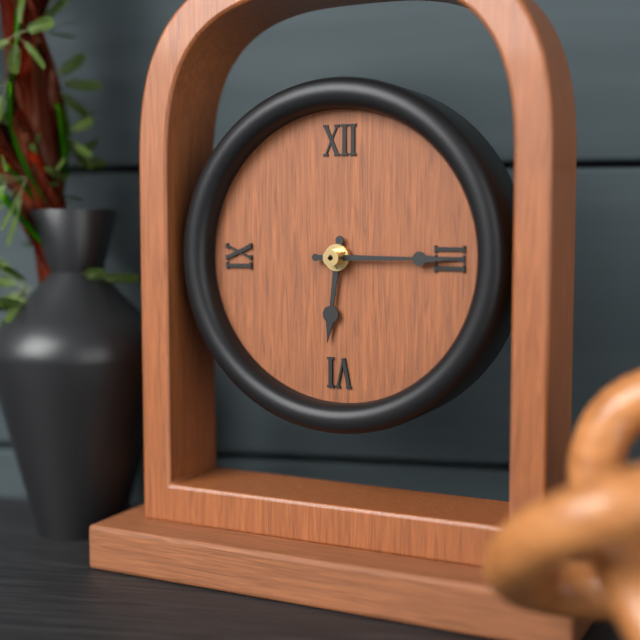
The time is 6:15
